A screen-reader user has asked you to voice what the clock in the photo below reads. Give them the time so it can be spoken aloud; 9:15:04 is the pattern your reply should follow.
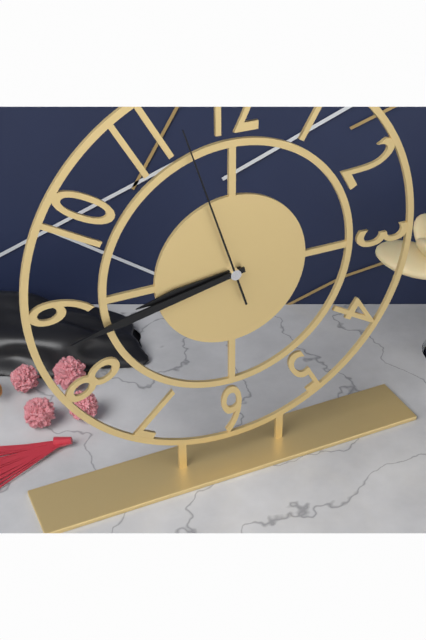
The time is 8:43:57
